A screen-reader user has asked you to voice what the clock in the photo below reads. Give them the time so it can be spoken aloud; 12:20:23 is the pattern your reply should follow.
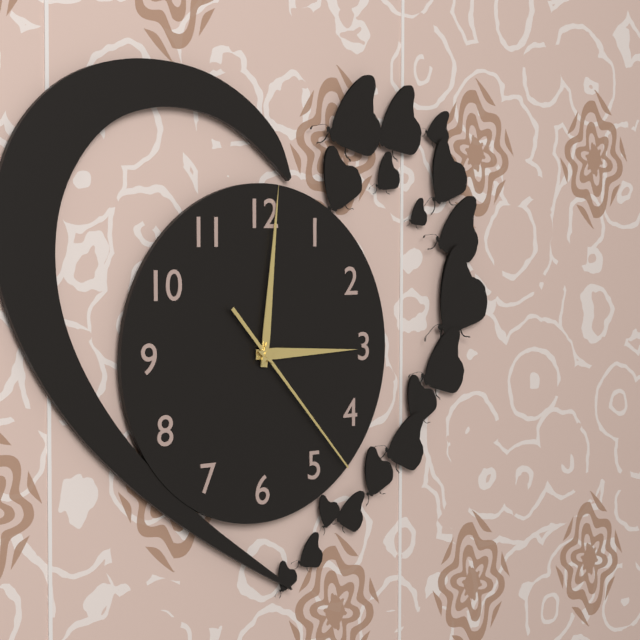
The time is 3:01:23
